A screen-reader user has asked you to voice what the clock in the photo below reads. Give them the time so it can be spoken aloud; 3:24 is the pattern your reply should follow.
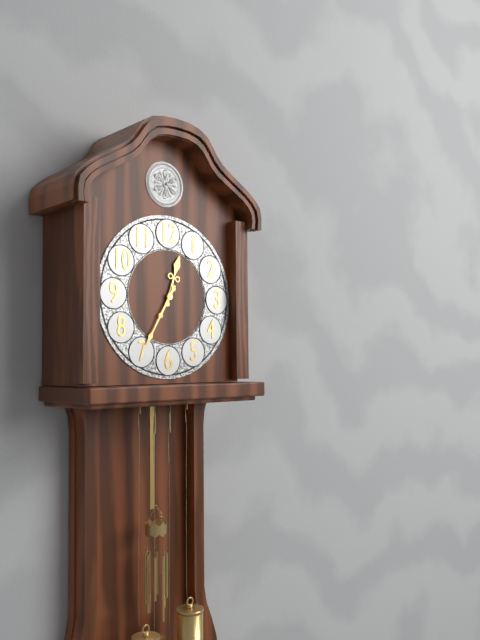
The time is 12:35
